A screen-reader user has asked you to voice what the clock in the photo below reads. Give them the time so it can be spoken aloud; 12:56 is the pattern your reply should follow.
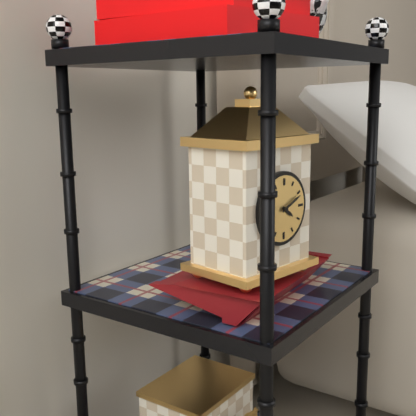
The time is 4:11
